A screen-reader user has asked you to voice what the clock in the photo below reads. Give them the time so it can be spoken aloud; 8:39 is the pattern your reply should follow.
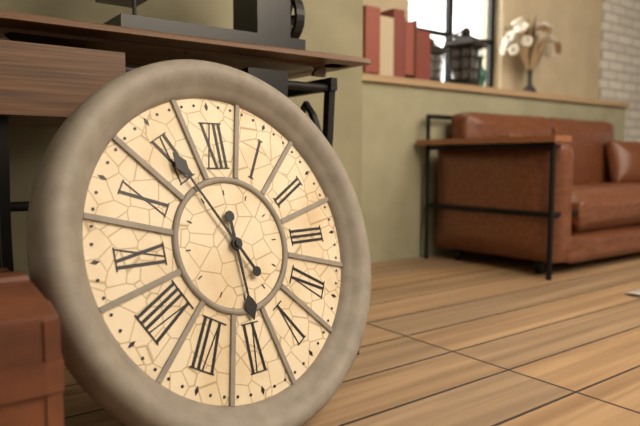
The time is 5:55
